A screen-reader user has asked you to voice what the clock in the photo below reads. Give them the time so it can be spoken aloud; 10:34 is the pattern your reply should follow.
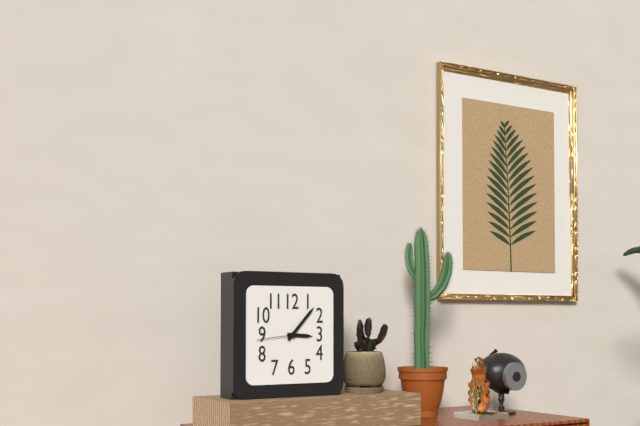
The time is 3:07
